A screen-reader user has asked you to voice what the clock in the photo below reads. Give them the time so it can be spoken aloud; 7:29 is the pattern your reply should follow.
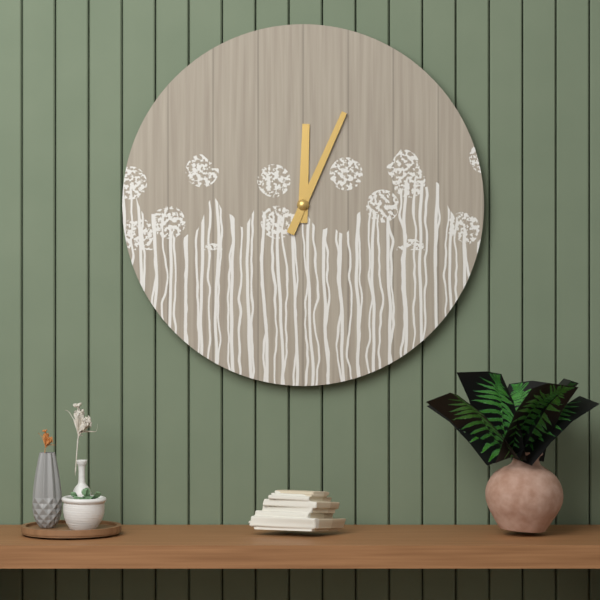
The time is 12:04
